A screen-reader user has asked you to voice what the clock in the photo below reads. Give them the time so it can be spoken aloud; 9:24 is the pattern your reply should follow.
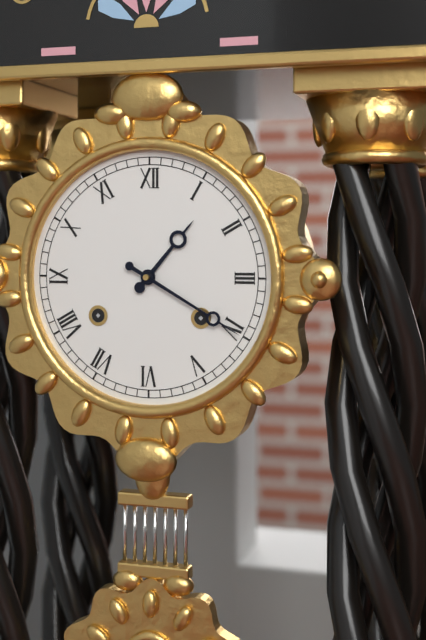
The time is 1:20
